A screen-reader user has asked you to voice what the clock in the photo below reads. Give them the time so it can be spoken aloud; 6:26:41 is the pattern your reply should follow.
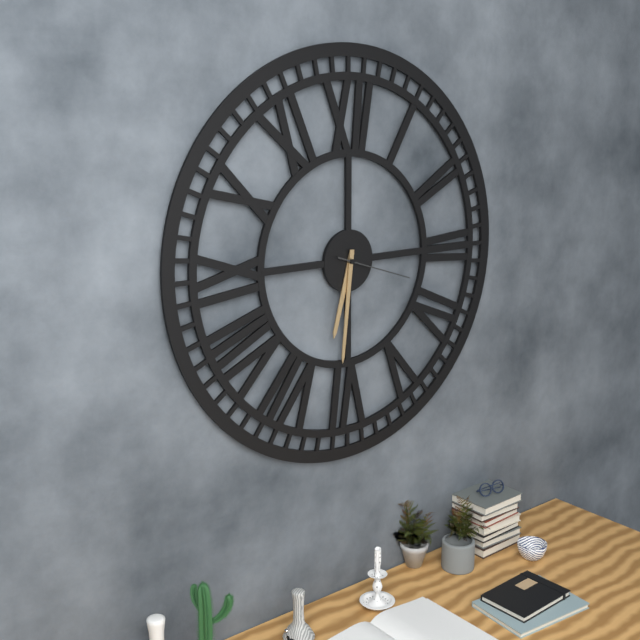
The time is 6:31:18
